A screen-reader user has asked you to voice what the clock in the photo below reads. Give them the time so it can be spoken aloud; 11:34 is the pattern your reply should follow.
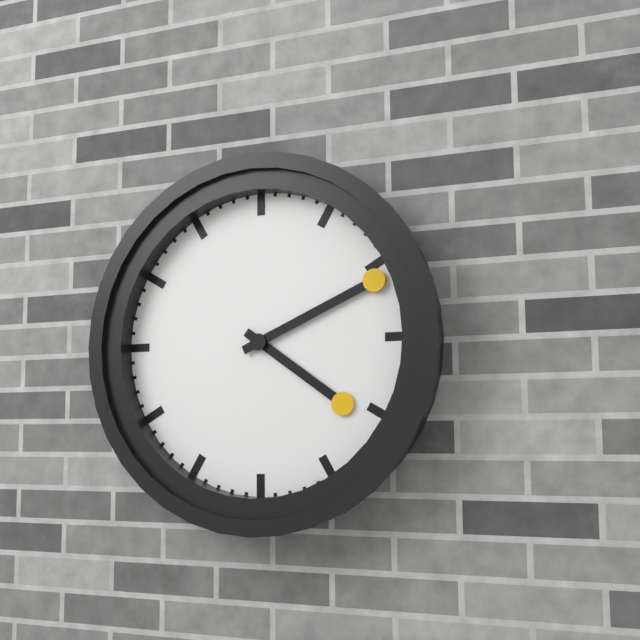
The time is 4:11
